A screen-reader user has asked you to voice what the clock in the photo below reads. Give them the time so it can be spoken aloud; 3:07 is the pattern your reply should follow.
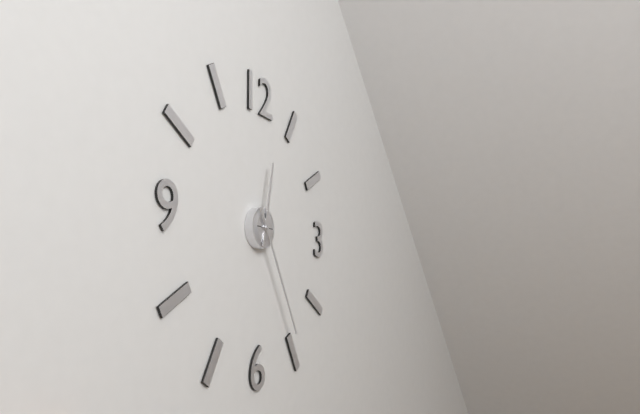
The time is 12:25
